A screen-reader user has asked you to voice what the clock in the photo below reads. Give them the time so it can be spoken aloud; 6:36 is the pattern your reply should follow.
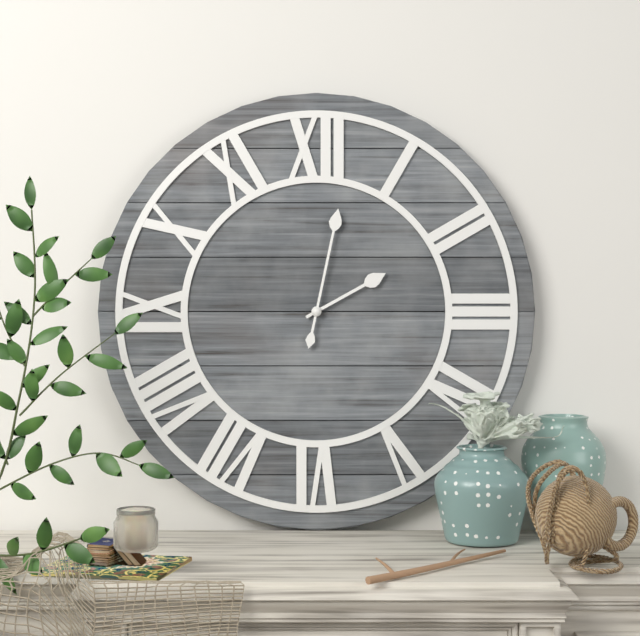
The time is 2:02
